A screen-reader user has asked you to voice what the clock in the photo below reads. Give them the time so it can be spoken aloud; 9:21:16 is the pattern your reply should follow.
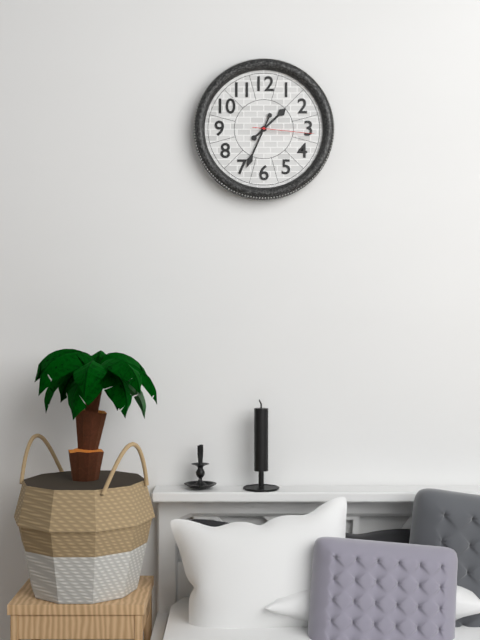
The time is 1:34:16
